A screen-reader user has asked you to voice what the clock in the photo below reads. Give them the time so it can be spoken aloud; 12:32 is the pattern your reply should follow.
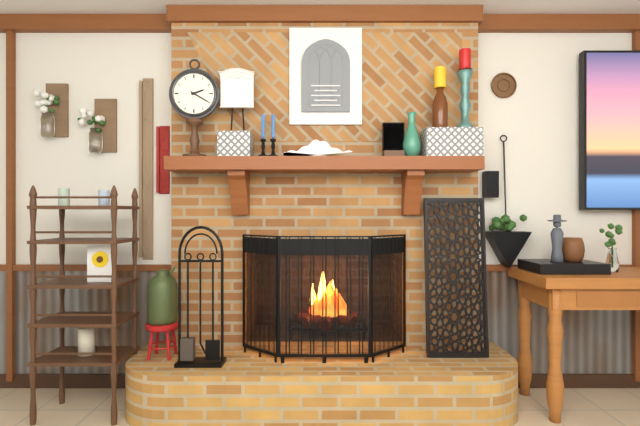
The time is 2:20
